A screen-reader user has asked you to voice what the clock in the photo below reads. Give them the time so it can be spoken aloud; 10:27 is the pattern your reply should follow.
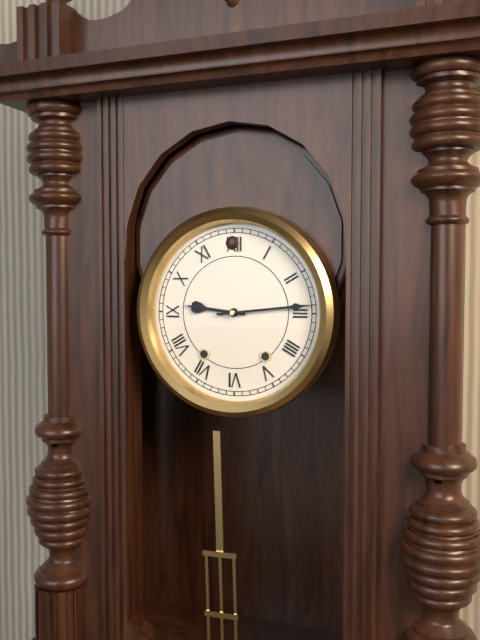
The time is 9:14
